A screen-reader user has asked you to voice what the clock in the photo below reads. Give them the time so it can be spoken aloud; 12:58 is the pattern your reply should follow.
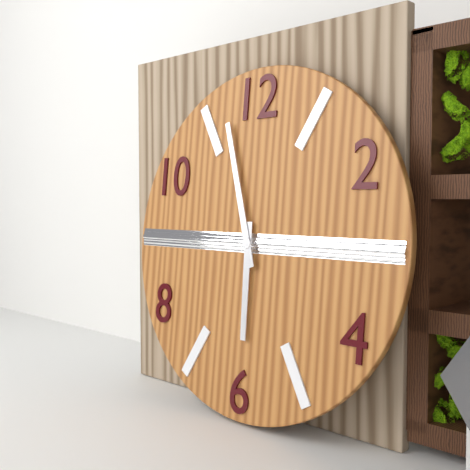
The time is 5:57
